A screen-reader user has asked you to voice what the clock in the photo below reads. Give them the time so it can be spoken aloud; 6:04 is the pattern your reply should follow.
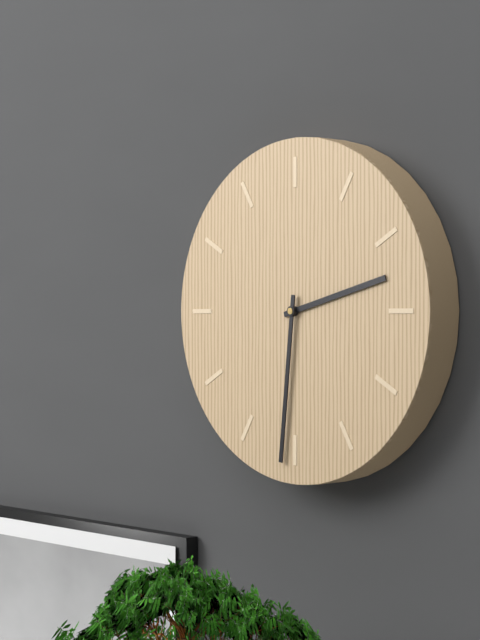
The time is 2:31
